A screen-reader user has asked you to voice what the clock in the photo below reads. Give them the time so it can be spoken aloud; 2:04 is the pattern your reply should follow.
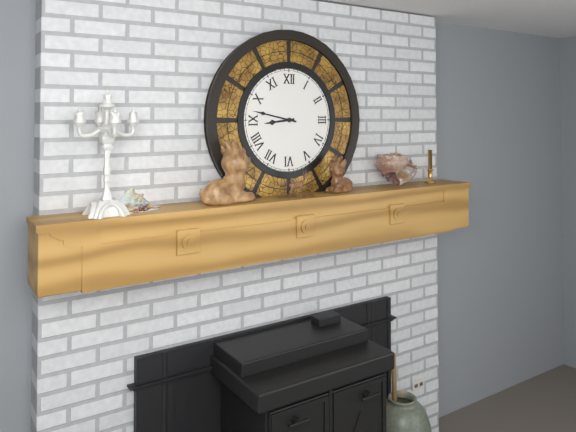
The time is 8:47
